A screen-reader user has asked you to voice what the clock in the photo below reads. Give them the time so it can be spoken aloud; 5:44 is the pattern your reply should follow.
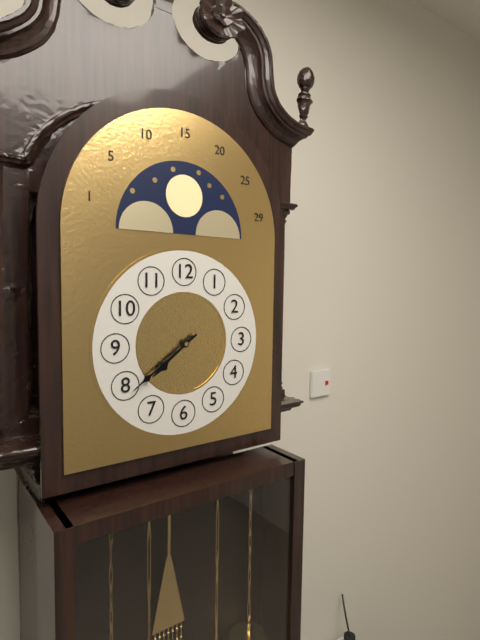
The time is 7:39
